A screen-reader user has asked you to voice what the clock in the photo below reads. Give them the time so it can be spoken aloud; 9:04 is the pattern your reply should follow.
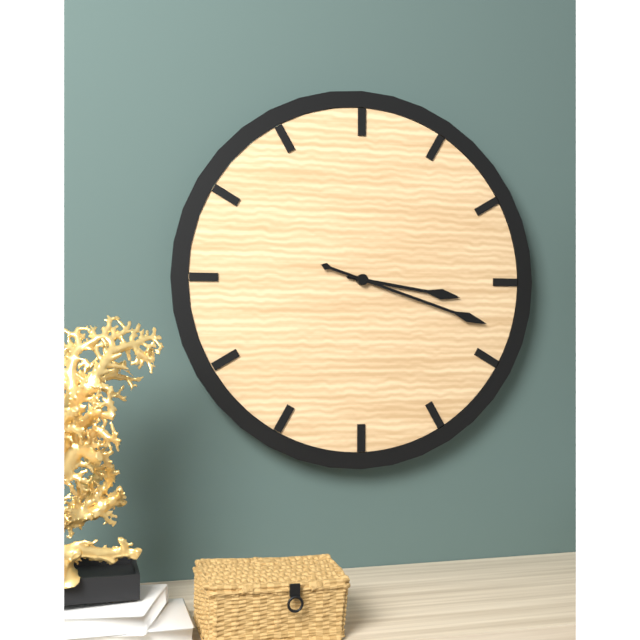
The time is 3:18
